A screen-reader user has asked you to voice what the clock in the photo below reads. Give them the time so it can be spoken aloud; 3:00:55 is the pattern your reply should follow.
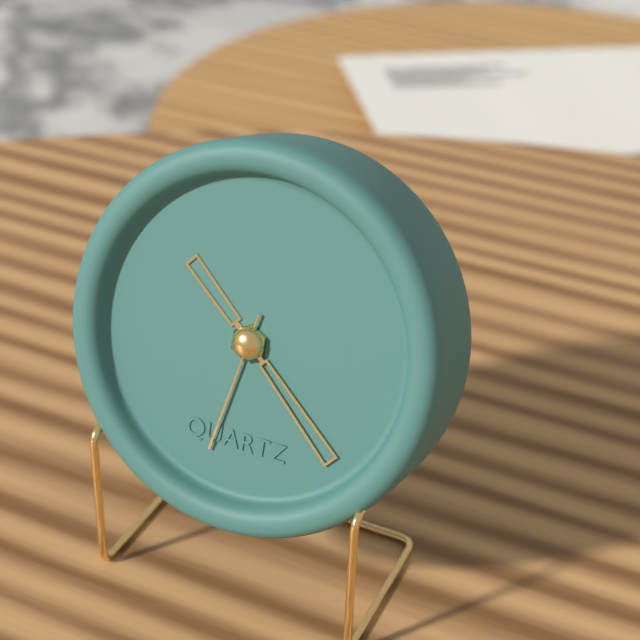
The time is 10:22:32
